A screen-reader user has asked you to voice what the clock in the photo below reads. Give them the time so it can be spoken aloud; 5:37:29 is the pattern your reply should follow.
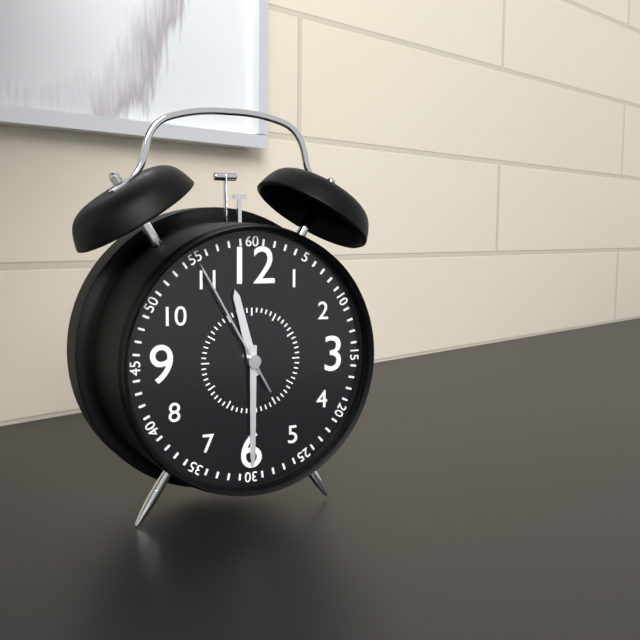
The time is 11:30:55
